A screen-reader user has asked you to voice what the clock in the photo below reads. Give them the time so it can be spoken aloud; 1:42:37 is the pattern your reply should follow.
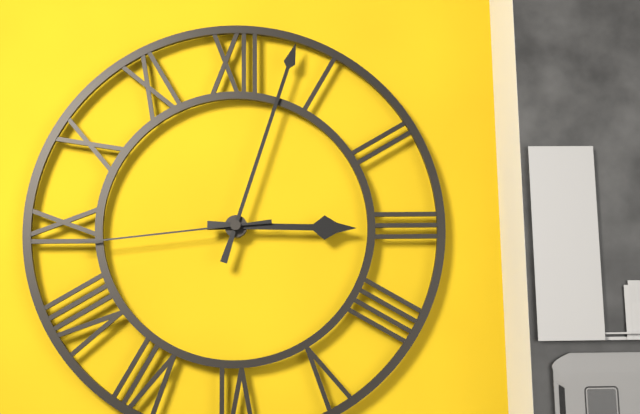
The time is 3:03:44
